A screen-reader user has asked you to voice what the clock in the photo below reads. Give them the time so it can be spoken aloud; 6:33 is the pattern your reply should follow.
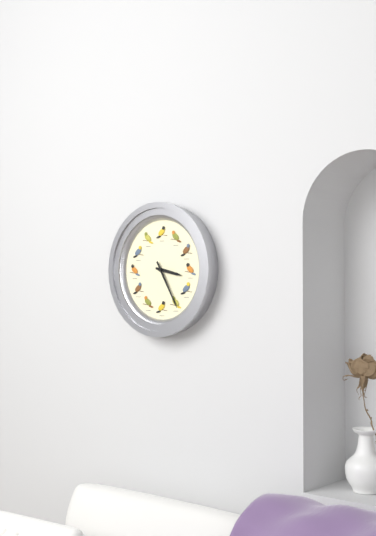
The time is 3:25
